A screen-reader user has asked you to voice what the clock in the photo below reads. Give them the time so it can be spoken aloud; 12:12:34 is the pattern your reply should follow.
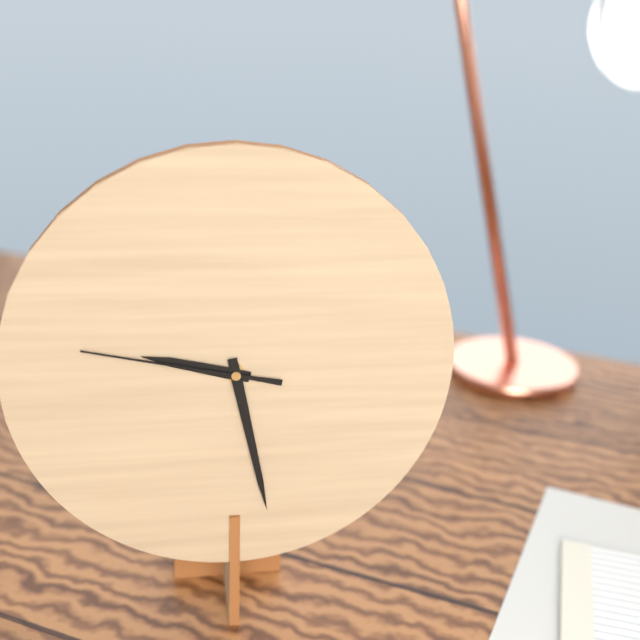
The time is 9:28:47
